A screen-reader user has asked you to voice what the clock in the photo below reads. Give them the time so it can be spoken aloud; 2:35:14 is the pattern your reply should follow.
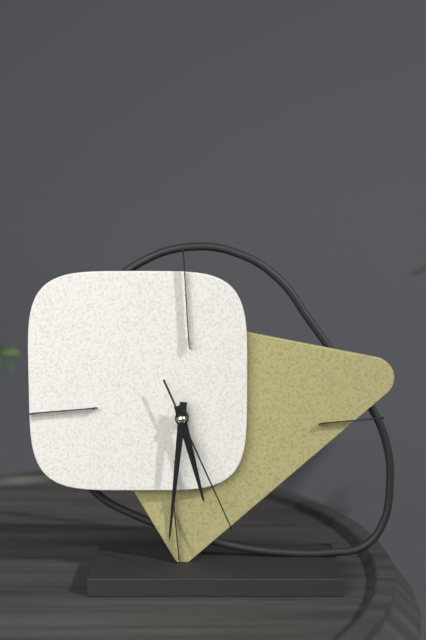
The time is 5:31:26
